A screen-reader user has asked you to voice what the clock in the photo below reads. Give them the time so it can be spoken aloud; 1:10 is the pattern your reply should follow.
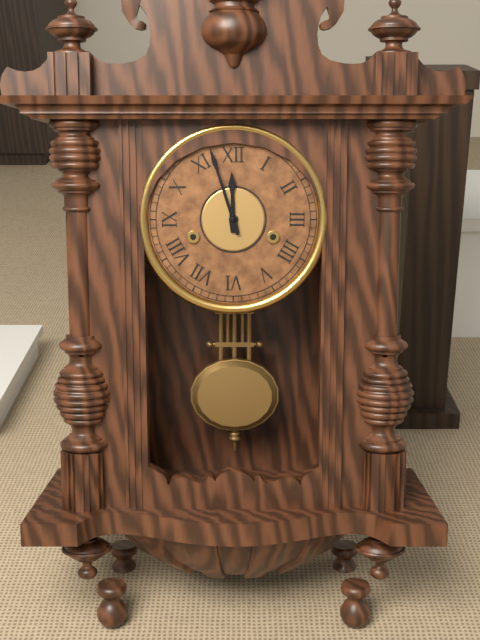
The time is 11:57
